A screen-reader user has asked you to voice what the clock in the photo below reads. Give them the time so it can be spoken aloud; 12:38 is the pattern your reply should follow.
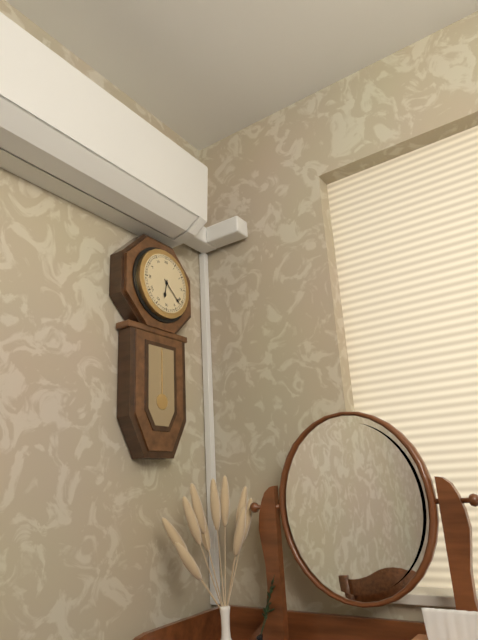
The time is 6:22
